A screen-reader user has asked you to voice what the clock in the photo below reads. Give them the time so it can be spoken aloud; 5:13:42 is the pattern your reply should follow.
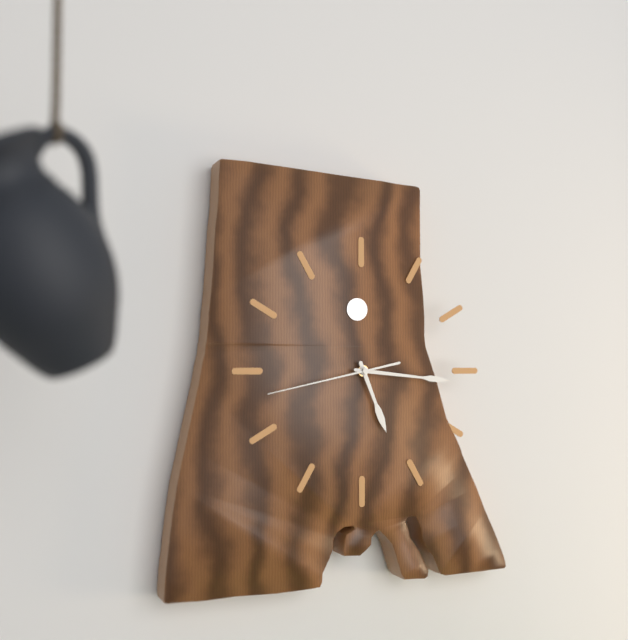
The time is 5:16:43
